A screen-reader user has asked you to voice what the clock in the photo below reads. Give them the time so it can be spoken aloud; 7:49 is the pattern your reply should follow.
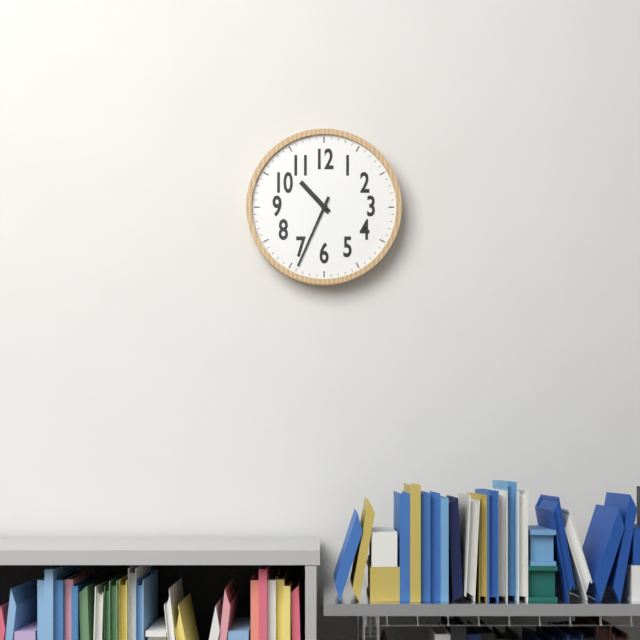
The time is 10:34
